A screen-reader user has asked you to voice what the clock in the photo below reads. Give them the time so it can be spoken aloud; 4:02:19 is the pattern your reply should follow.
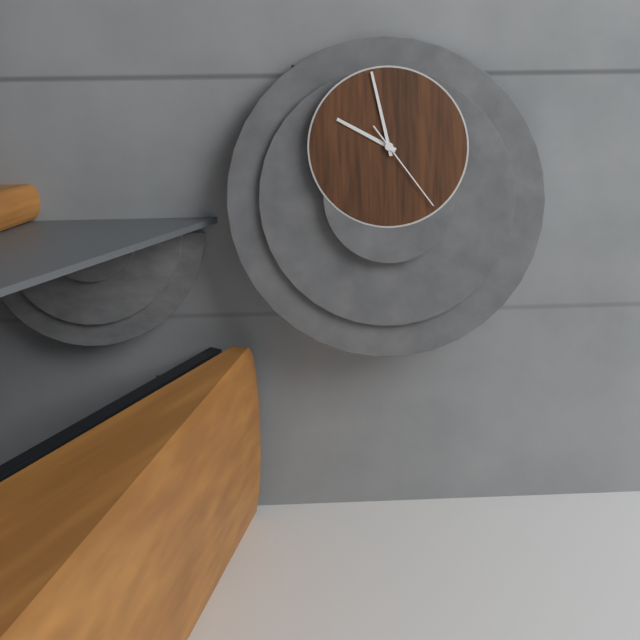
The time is 9:58:24
